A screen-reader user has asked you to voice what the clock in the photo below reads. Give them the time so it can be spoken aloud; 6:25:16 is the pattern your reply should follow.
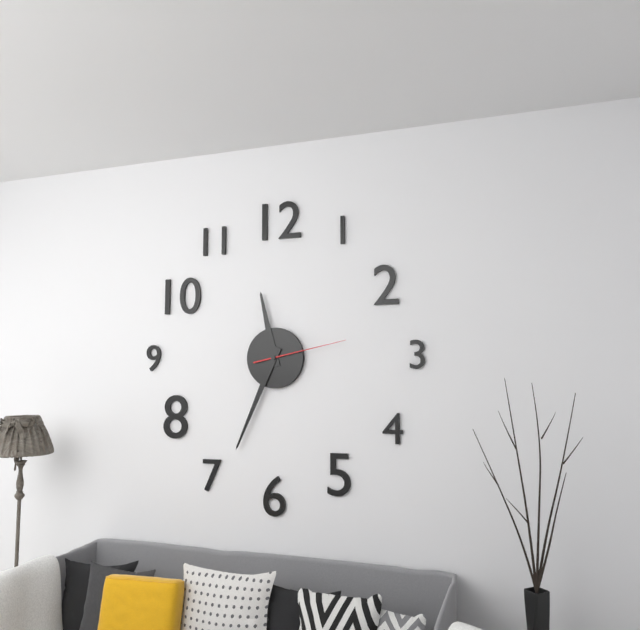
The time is 11:34:13
